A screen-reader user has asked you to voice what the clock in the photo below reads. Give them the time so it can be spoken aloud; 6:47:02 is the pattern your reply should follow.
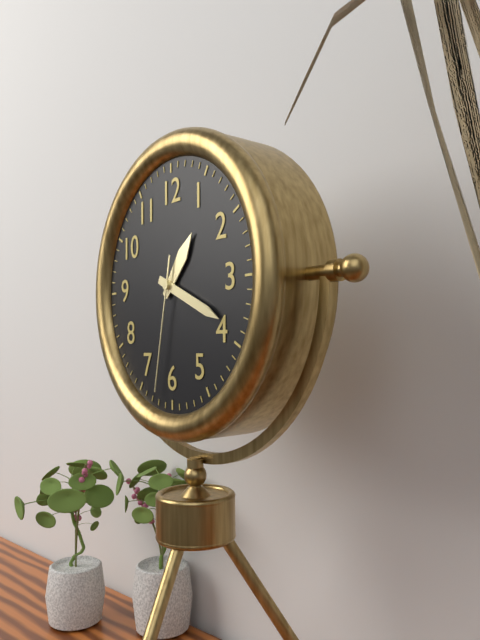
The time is 1:19:32
